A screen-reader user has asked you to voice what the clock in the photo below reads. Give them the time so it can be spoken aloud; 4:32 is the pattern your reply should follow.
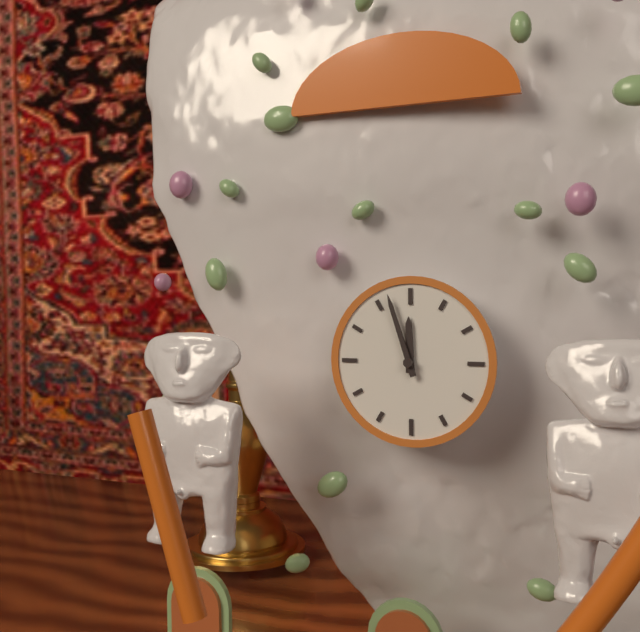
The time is 11:57
